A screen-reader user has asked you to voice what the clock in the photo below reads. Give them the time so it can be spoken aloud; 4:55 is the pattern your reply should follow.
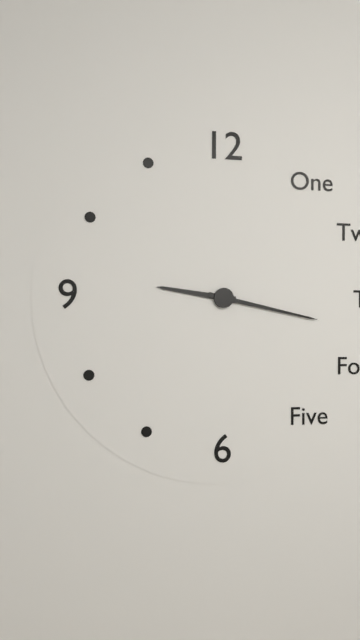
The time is 9:17
